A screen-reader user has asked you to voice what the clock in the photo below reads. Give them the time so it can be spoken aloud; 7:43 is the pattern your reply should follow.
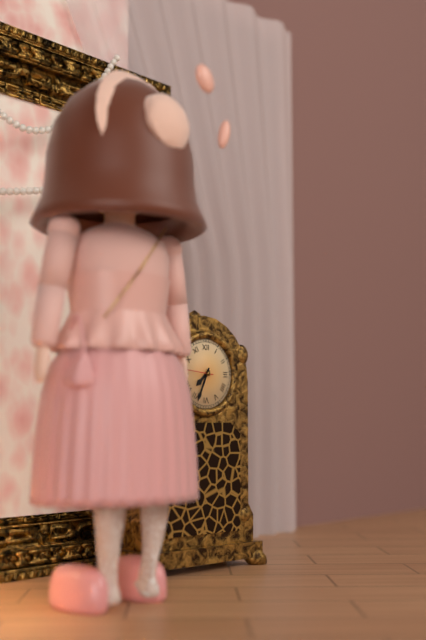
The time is 7:34
